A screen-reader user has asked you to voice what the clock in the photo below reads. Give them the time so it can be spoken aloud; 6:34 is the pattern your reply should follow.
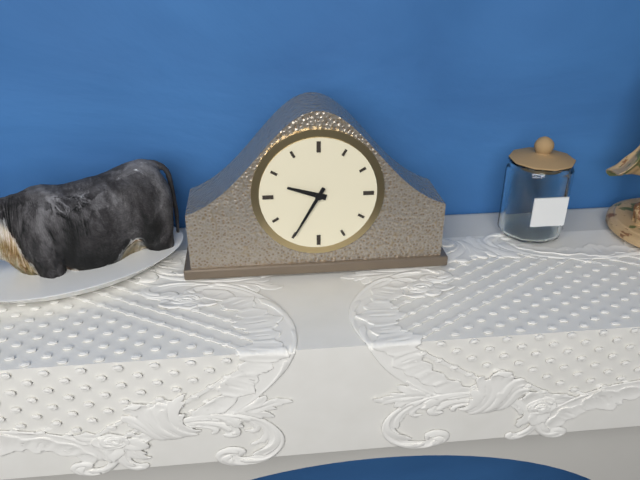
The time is 9:35
